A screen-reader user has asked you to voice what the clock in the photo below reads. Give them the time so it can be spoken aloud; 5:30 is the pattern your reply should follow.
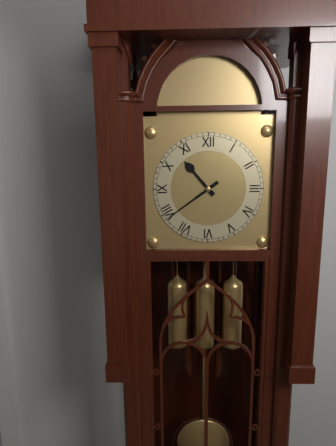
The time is 10:39
